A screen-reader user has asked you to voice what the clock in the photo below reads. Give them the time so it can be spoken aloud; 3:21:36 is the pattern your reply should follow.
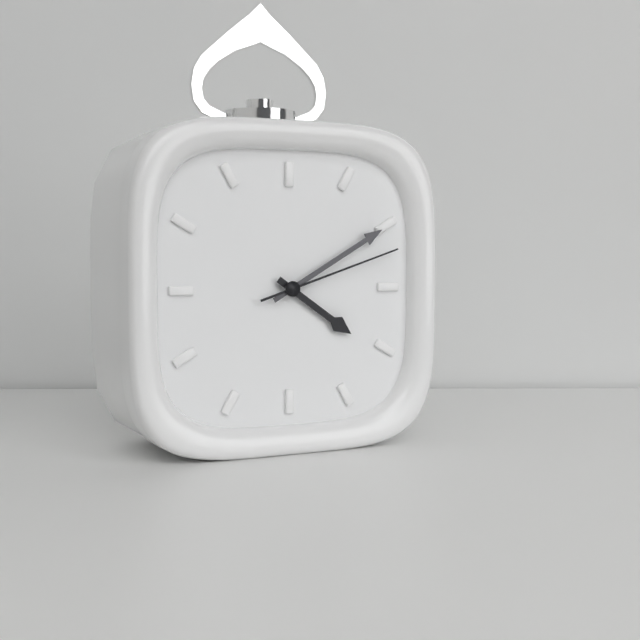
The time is 4:10:12
